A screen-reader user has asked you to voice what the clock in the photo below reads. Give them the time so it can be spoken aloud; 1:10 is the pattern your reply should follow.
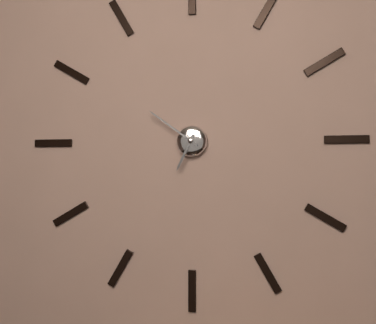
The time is 6:51
